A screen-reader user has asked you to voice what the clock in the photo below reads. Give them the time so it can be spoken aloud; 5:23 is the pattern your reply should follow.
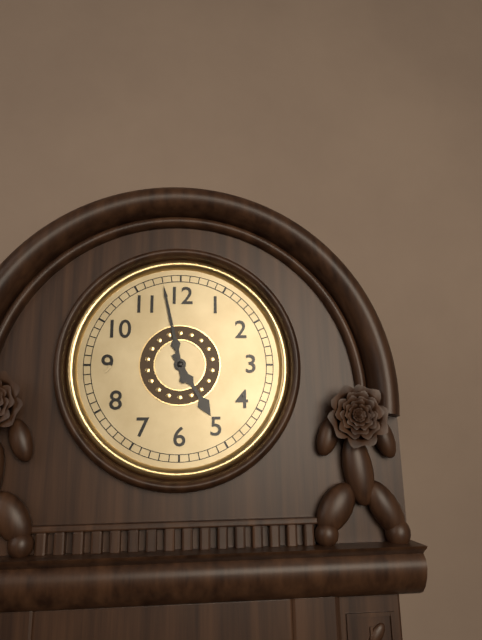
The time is 4:58
